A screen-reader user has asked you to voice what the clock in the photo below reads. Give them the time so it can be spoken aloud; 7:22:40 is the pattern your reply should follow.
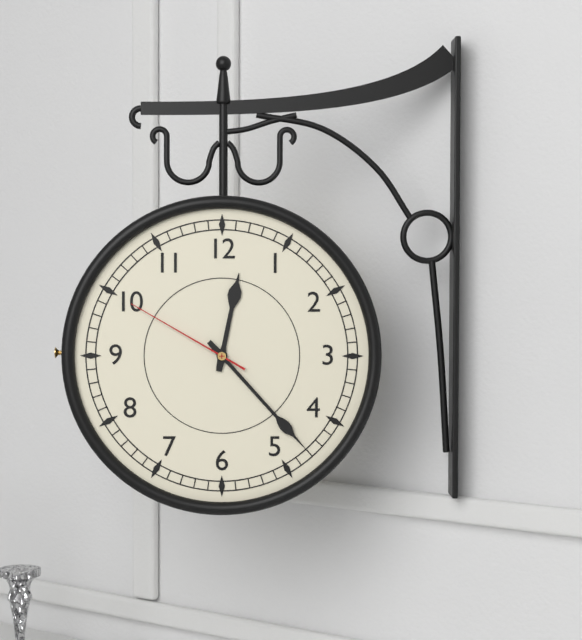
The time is 12:23:50
